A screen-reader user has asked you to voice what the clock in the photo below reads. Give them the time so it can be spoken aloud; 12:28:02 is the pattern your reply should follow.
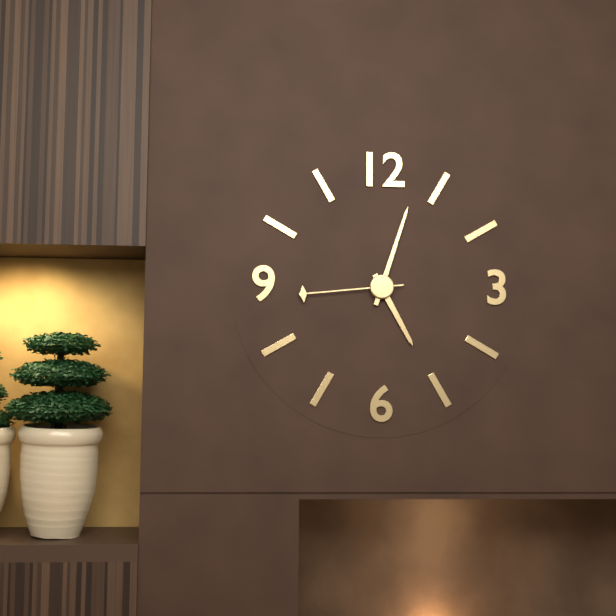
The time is 5:03:44
